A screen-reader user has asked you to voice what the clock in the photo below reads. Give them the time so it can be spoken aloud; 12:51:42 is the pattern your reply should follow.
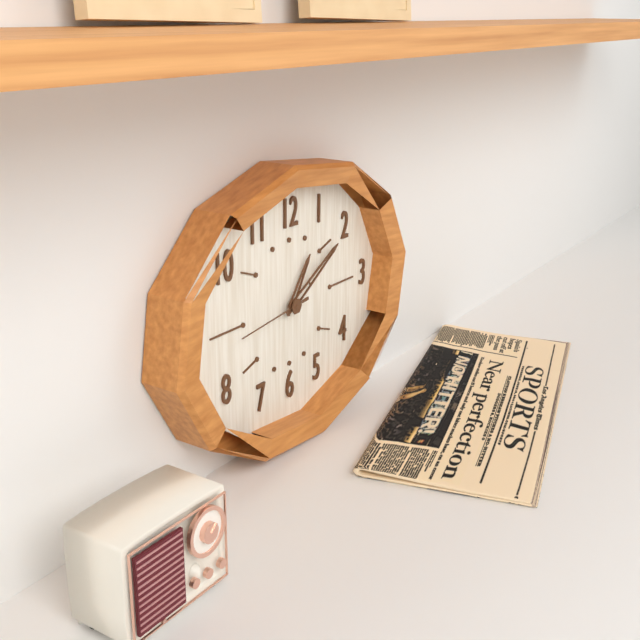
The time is 1:10:44
